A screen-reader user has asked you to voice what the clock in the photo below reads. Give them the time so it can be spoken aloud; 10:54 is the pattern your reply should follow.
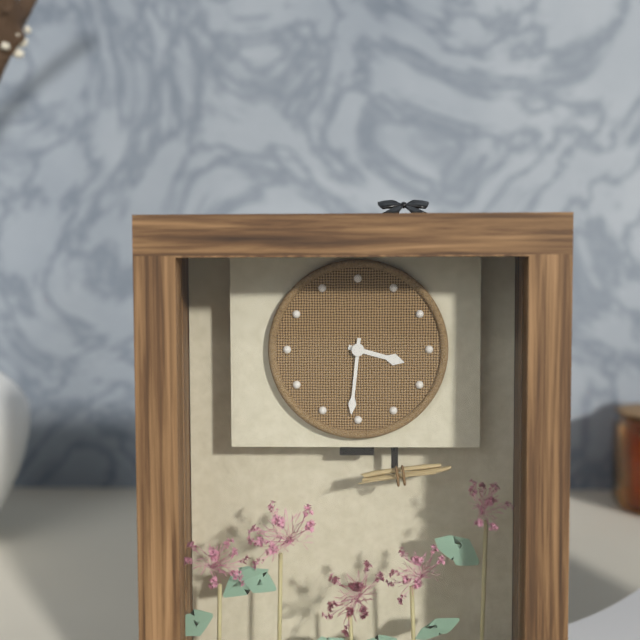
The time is 3:31
